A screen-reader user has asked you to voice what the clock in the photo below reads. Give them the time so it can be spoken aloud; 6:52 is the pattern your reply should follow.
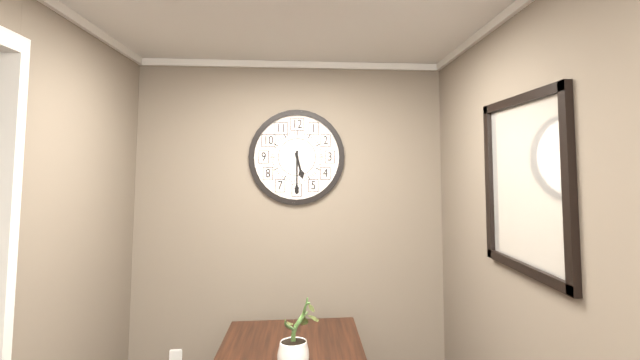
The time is 5:30
